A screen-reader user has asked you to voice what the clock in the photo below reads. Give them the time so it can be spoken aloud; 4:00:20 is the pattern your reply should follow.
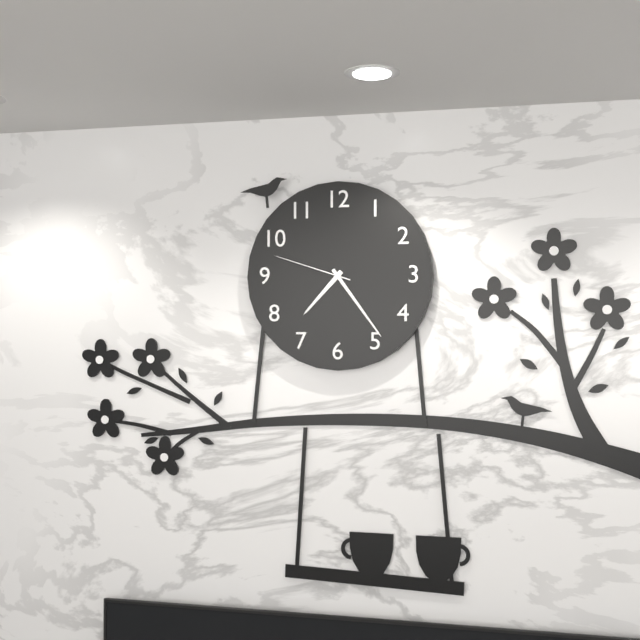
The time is 7:24:48
